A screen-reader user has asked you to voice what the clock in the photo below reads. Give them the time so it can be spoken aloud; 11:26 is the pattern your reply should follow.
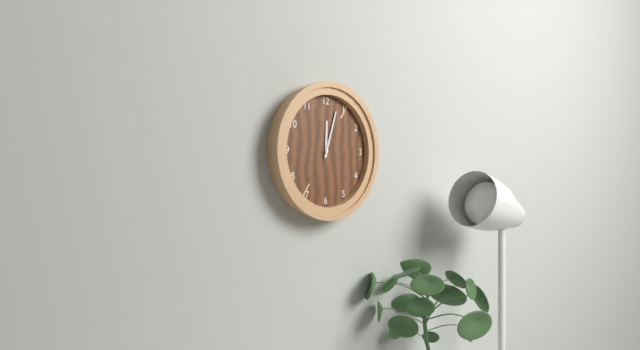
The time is 12:03
